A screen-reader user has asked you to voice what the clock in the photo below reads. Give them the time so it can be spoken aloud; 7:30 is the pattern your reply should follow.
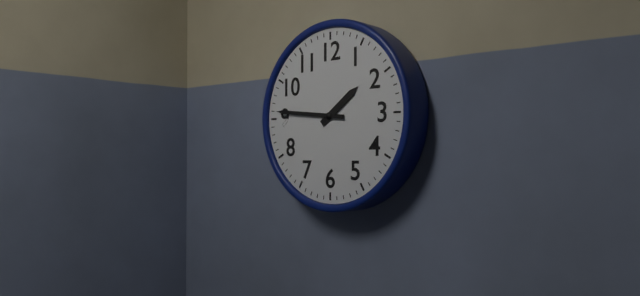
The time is 1:46
